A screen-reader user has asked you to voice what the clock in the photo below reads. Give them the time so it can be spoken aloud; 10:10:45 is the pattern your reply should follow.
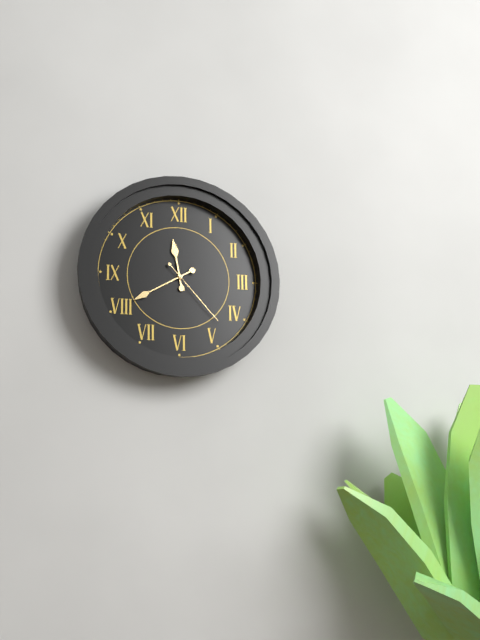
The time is 11:40:23
